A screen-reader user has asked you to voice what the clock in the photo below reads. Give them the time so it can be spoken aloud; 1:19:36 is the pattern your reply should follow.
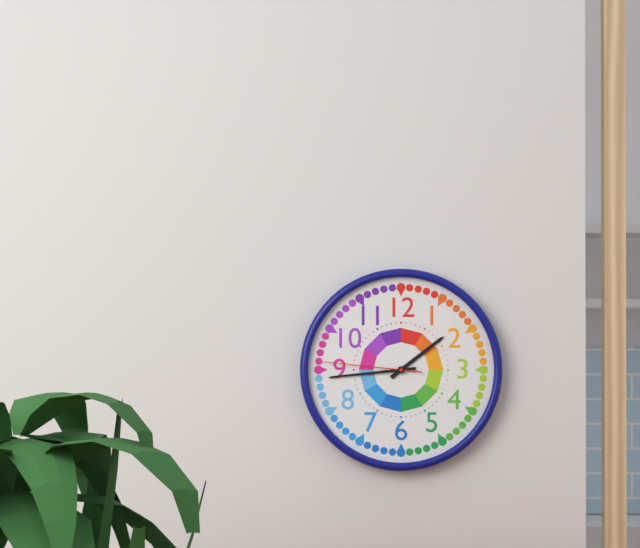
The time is 1:44:46
